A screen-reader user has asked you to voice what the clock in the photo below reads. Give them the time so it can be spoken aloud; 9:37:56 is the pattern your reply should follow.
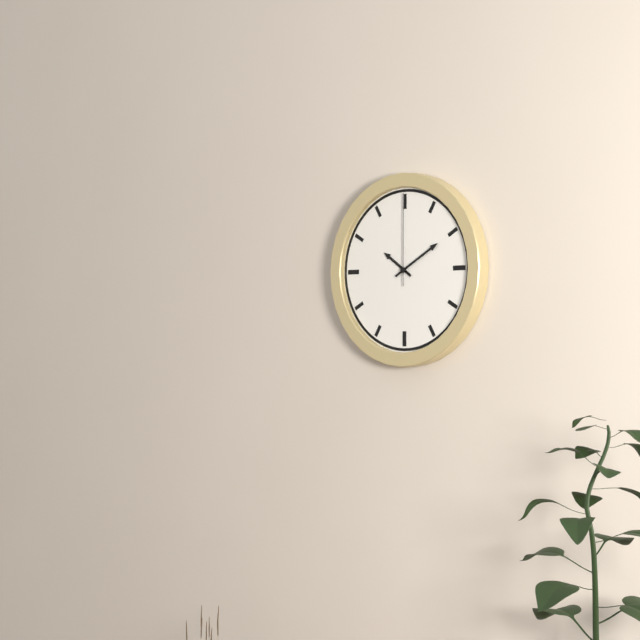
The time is 10:10:00
